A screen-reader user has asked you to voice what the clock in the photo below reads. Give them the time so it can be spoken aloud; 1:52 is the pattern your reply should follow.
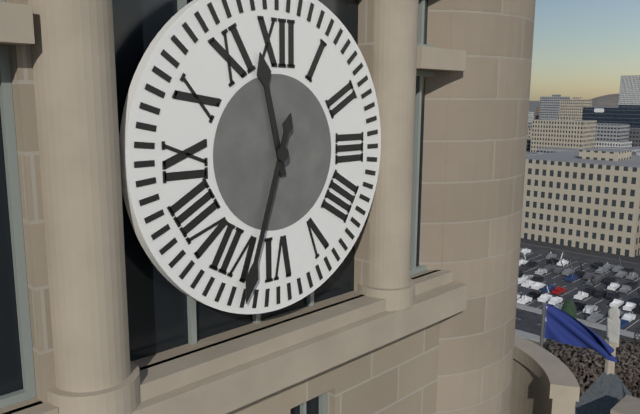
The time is 11:33
